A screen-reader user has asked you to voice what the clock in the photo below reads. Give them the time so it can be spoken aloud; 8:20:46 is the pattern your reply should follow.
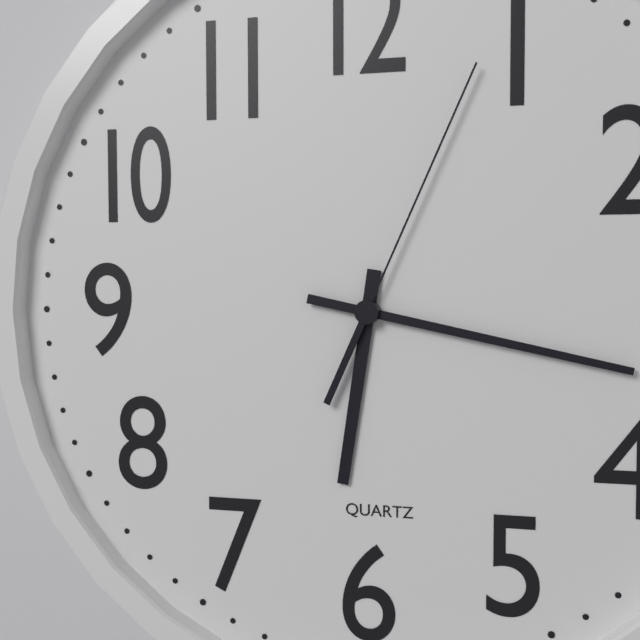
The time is 6:17:04
